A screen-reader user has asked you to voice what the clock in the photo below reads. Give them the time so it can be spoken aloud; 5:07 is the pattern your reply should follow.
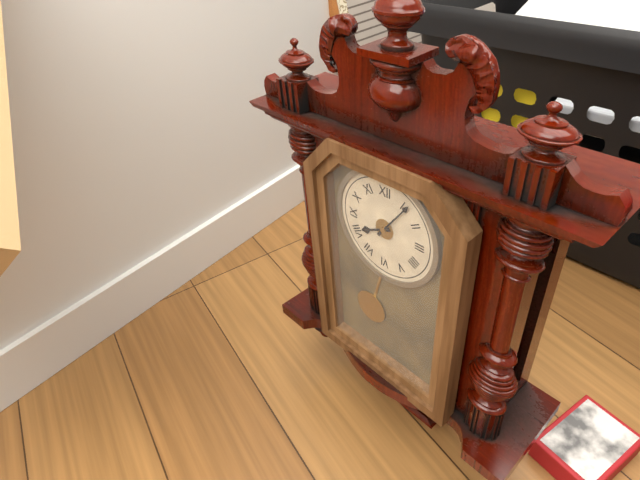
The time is 8:06
